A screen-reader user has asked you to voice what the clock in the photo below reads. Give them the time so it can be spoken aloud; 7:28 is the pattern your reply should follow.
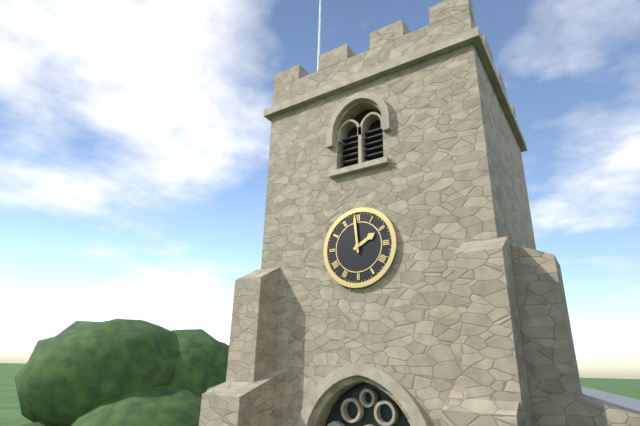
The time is 1:59
